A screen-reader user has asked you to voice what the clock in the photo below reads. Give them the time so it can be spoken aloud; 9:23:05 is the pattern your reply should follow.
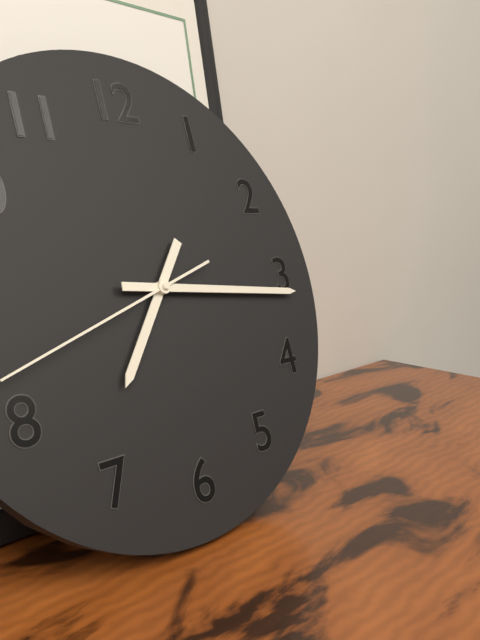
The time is 7:16:42
